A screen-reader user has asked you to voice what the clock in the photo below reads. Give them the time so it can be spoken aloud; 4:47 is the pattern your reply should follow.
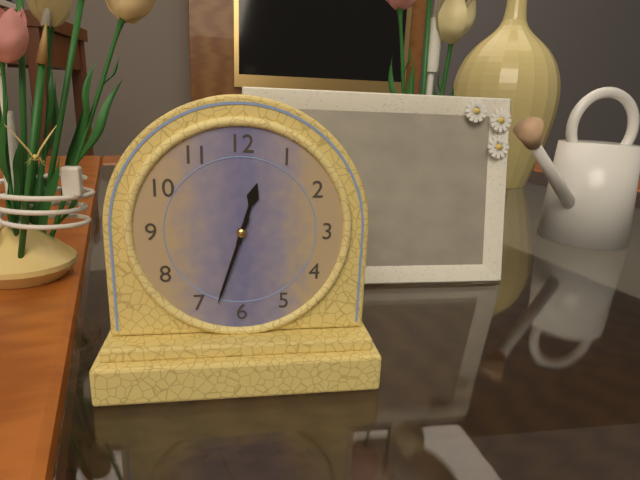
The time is 12:33
